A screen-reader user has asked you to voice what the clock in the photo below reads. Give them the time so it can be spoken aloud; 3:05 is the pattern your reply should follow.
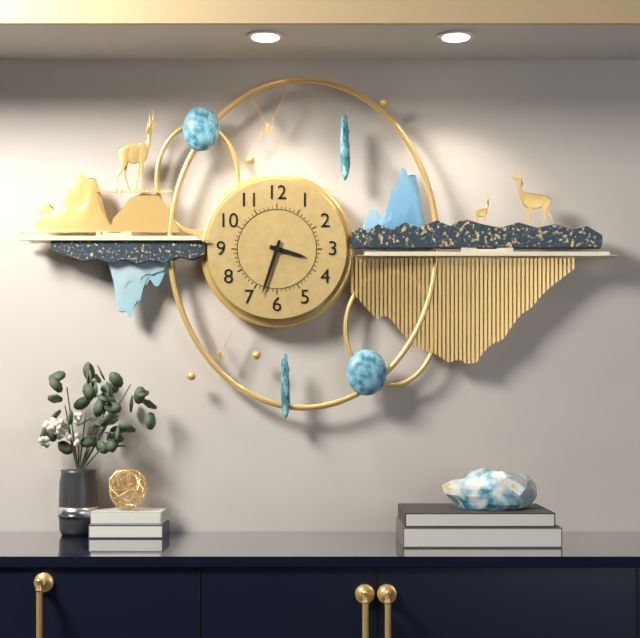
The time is 3:33
